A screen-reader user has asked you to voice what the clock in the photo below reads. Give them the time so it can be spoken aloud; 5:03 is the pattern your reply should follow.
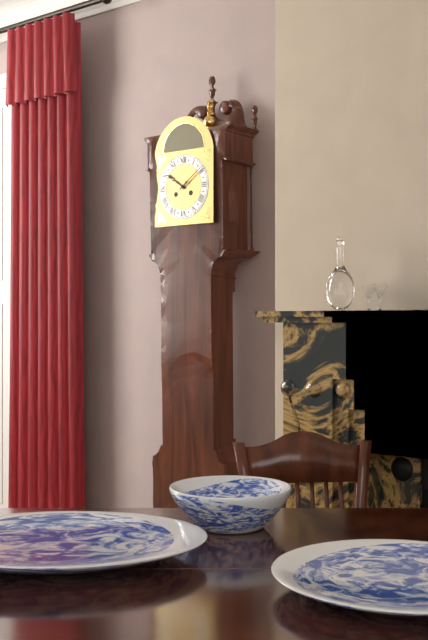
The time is 10:09
